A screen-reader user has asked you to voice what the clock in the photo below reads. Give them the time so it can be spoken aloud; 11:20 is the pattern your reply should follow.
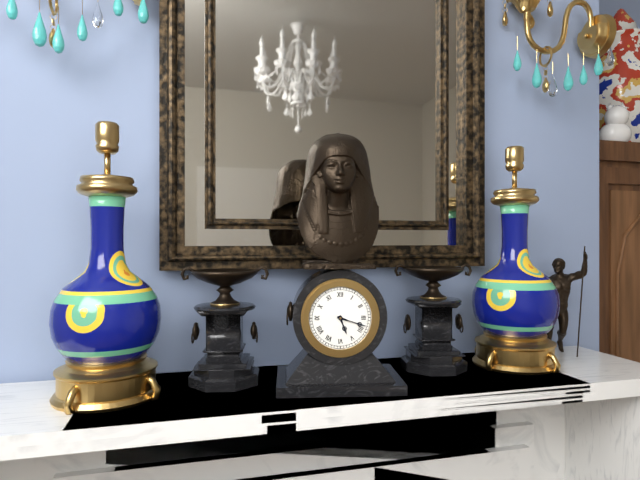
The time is 5:18
